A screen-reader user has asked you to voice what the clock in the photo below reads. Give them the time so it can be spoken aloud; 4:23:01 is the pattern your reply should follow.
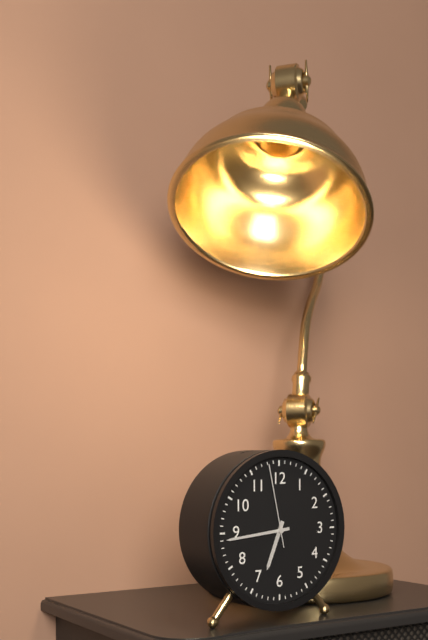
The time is 6:44:58
